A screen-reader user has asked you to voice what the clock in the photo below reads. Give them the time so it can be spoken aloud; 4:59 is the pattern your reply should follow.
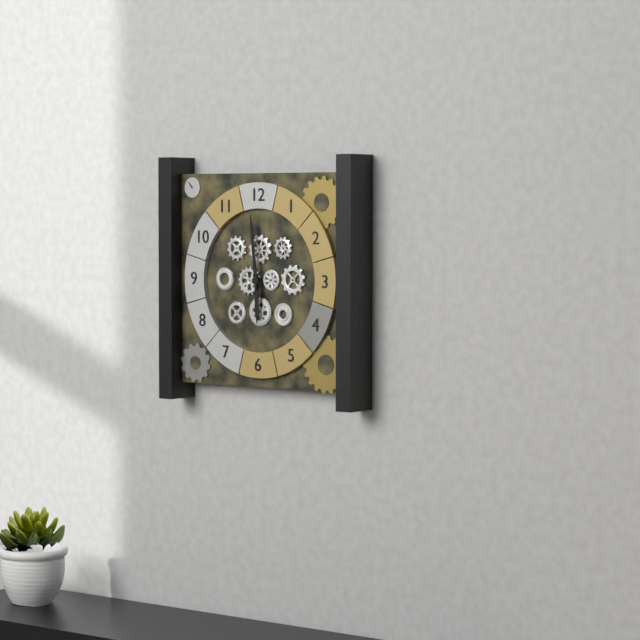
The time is 5:59
